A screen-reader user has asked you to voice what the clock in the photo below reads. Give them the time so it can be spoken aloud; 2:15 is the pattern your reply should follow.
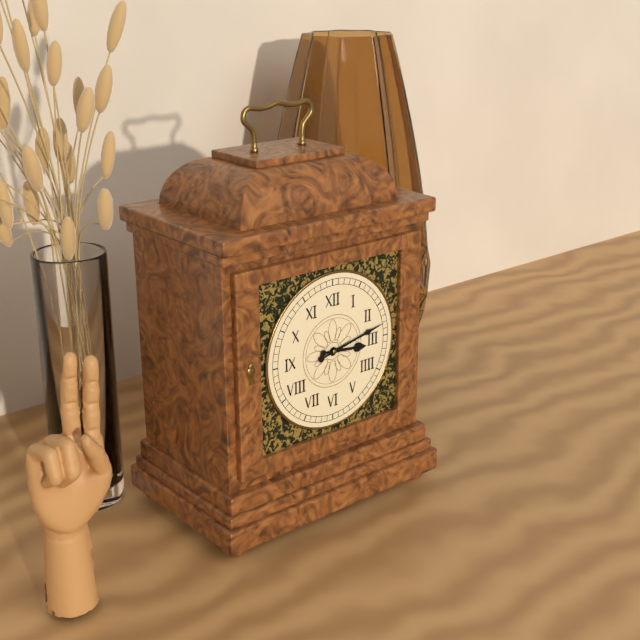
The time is 3:13
